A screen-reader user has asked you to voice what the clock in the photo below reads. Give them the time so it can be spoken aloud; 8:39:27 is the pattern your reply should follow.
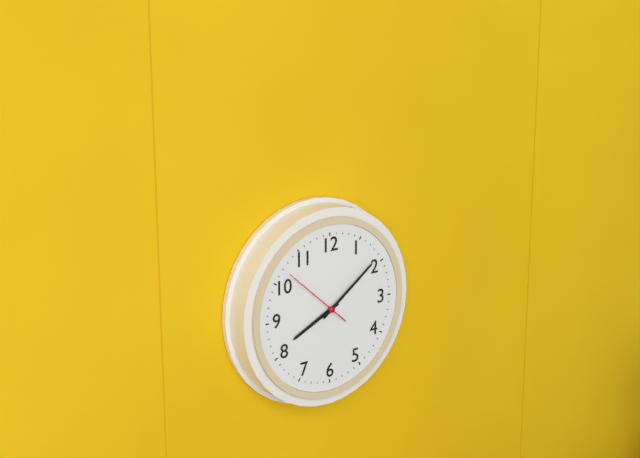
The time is 8:09:52
